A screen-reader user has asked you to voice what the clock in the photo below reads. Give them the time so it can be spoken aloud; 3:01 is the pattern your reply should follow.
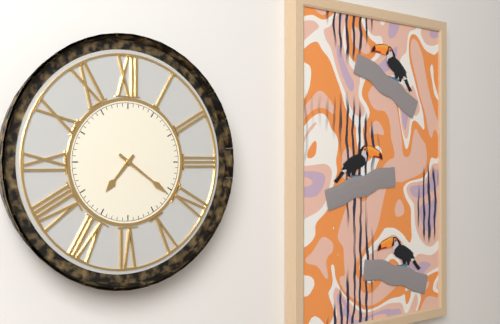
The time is 7:21
